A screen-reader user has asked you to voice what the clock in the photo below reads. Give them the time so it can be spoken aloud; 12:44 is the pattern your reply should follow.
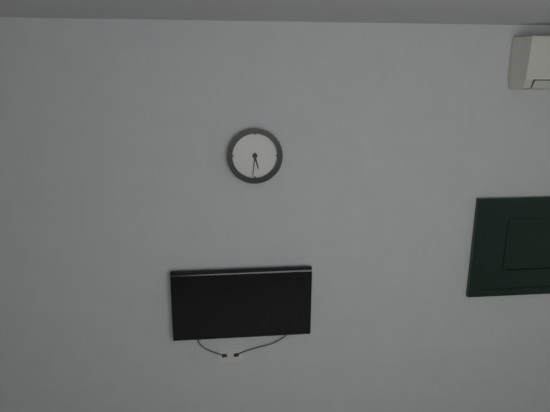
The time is 5:31
